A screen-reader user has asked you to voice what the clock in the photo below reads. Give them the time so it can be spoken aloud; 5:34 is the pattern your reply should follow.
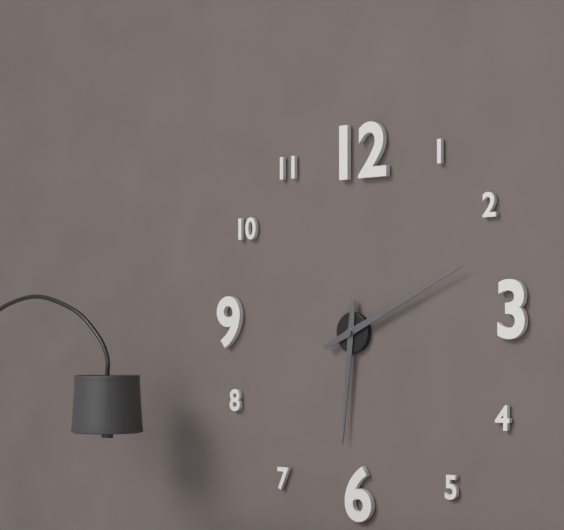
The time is 6:11
